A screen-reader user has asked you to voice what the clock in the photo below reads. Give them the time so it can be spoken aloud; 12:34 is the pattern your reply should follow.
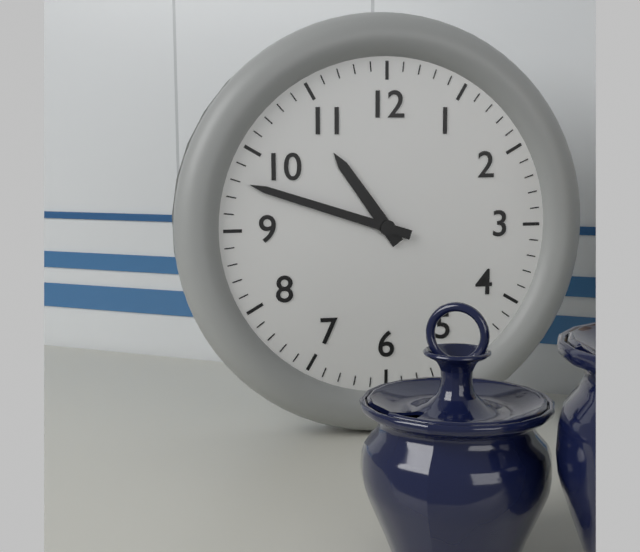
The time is 10:48
